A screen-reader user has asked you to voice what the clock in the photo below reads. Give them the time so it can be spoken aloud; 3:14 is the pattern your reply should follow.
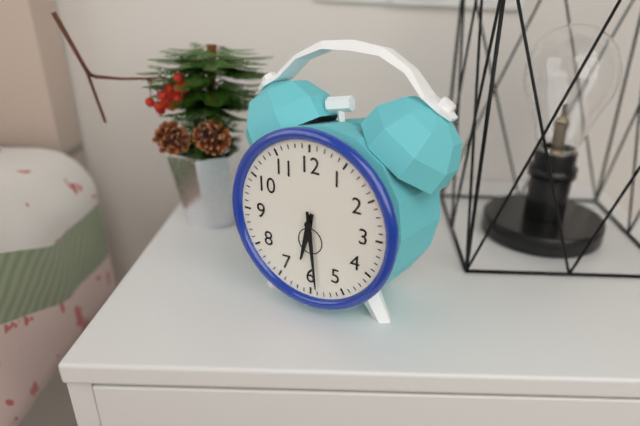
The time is 6:29
